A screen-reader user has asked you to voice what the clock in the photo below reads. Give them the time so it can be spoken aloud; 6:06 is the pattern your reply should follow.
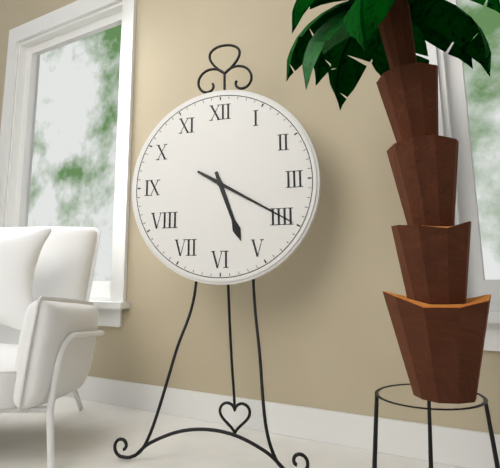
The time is 5:20
